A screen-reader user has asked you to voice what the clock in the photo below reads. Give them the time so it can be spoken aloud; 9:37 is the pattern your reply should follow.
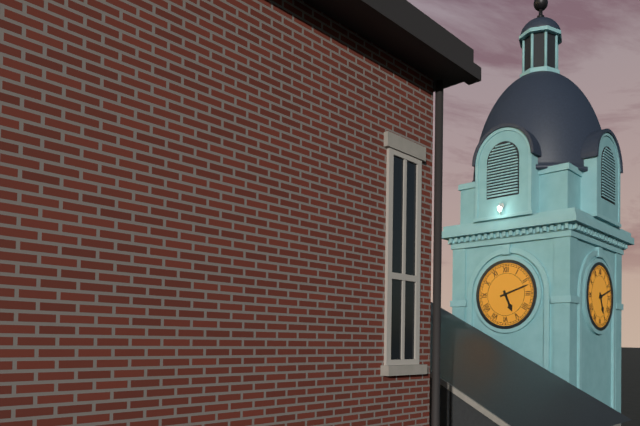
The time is 5:12
